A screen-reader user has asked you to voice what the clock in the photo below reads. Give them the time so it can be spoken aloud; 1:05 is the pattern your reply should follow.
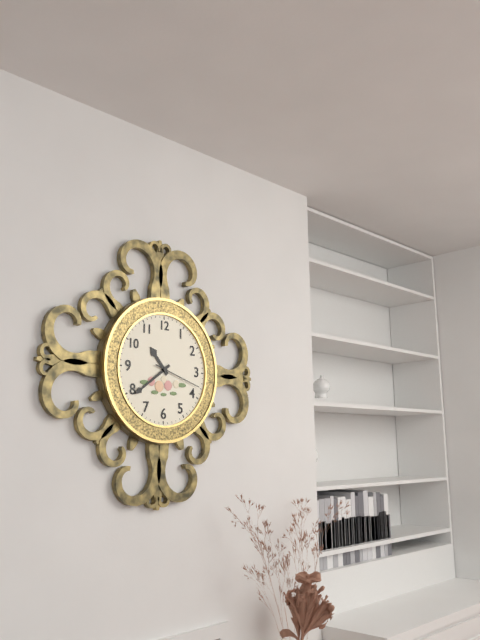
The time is 10:39
